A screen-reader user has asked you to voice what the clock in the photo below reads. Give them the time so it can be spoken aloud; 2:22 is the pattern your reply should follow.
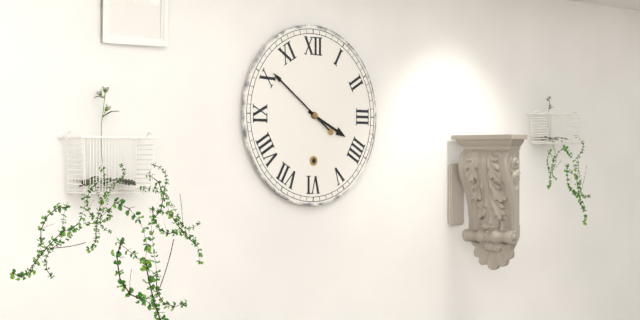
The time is 3:51
